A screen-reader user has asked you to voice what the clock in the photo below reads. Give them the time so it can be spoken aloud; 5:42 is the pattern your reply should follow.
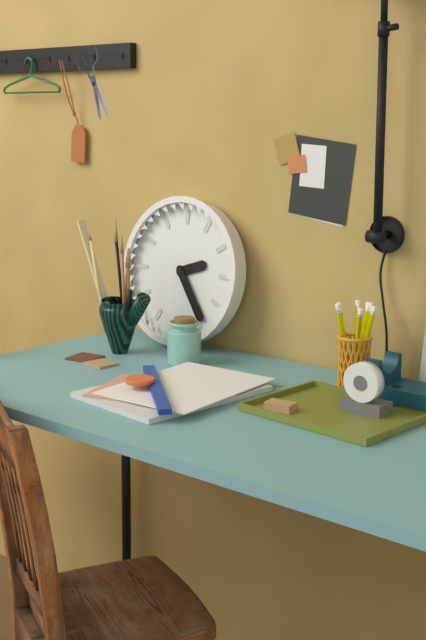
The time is 2:24
